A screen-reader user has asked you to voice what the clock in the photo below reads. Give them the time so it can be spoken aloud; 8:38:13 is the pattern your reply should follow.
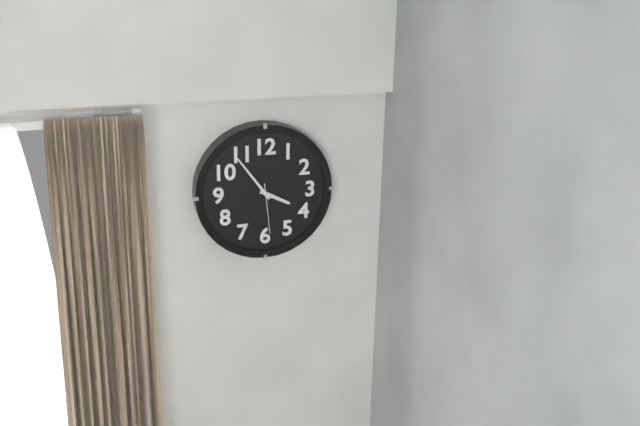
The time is 3:54:29
